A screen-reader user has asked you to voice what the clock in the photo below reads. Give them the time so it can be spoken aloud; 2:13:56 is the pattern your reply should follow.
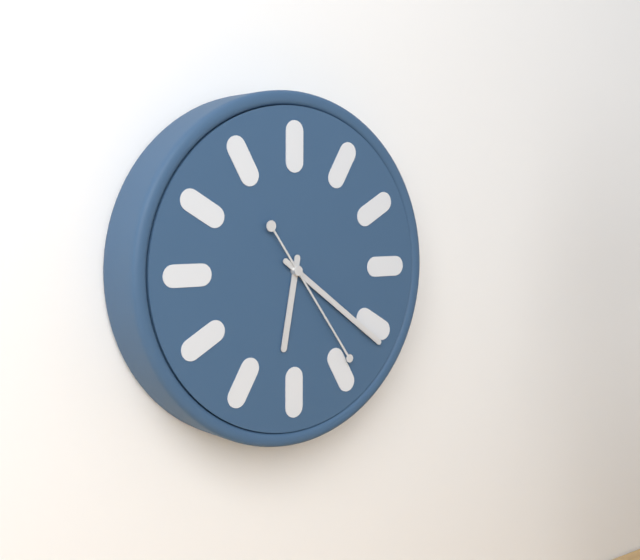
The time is 6:21:24
